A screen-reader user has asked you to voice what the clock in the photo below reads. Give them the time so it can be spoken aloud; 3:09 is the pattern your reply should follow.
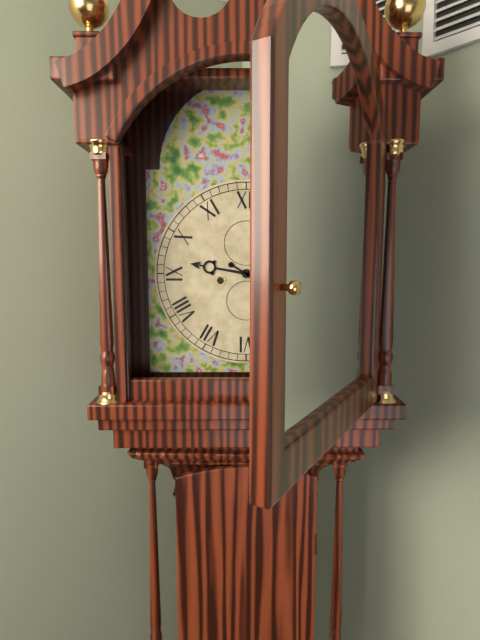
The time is 9:20
